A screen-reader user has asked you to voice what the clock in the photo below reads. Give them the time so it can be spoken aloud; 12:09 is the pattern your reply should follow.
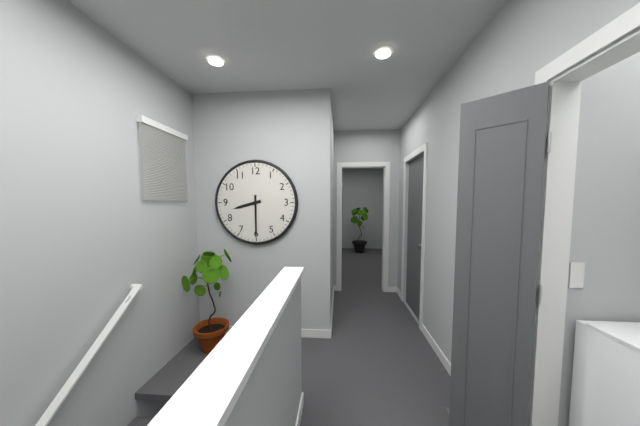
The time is 8:30
